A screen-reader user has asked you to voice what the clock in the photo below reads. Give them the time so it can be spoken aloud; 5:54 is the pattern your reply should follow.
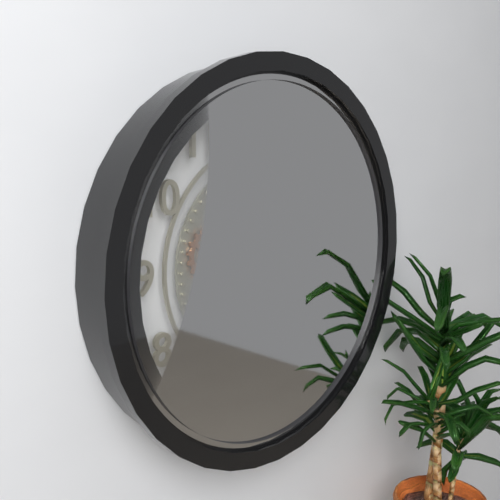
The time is 5:06
